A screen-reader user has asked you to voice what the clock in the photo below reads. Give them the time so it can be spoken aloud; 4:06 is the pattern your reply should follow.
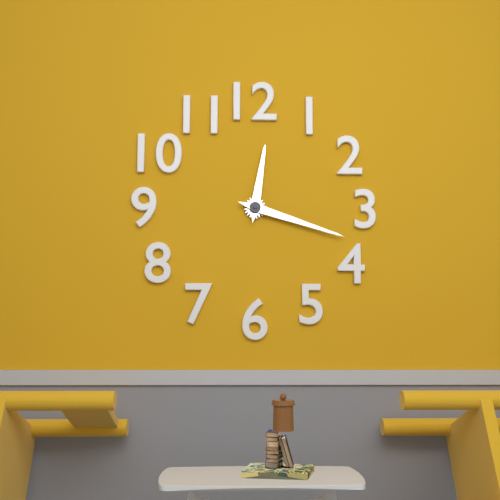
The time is 12:18
